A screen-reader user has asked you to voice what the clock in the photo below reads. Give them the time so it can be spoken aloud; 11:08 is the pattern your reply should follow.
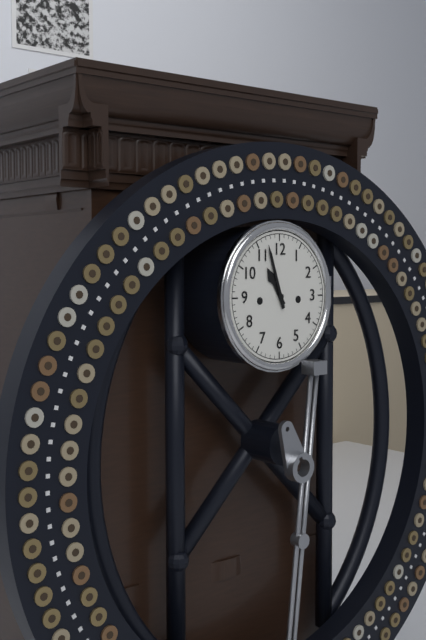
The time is 10:57
